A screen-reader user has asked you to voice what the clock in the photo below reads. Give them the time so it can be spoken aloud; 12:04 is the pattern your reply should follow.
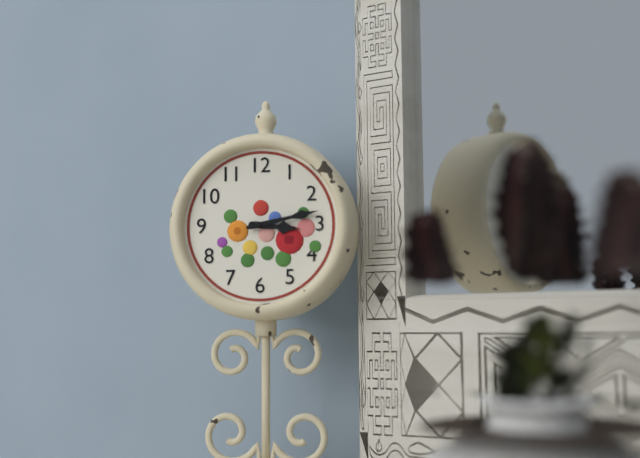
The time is 3:13
